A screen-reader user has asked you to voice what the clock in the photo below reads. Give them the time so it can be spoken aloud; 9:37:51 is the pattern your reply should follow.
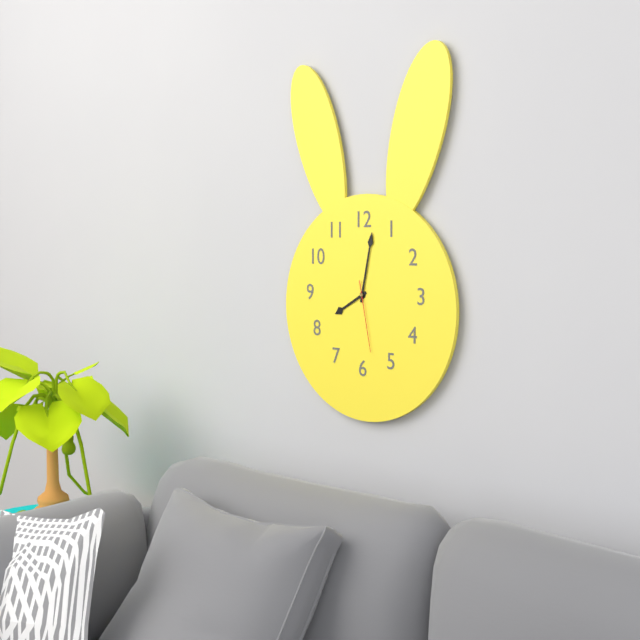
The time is 8:02:28
